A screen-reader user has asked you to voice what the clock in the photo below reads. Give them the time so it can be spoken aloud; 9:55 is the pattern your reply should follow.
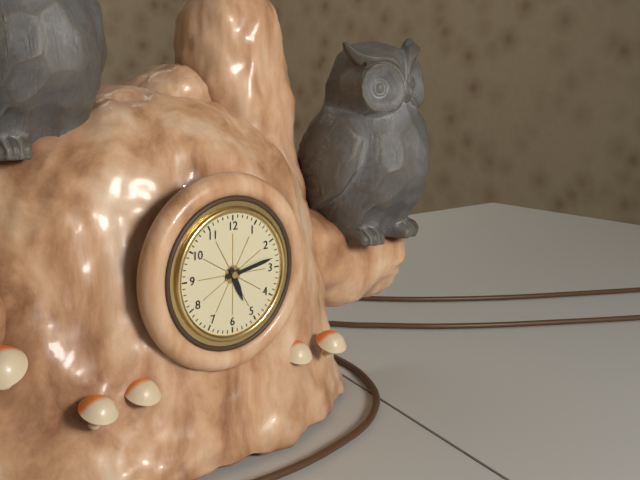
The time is 5:13
